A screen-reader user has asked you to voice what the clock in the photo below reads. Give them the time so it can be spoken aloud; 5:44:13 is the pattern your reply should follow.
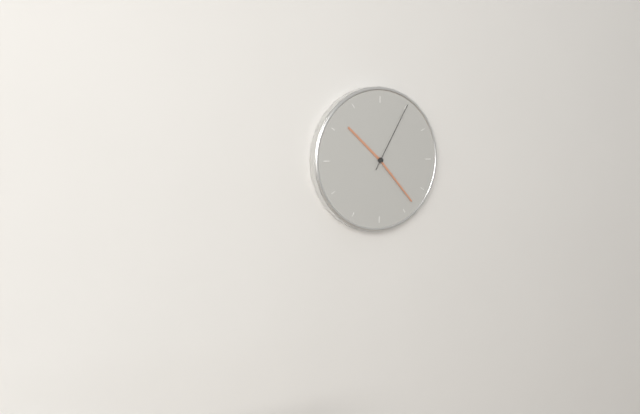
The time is 10:23:05
